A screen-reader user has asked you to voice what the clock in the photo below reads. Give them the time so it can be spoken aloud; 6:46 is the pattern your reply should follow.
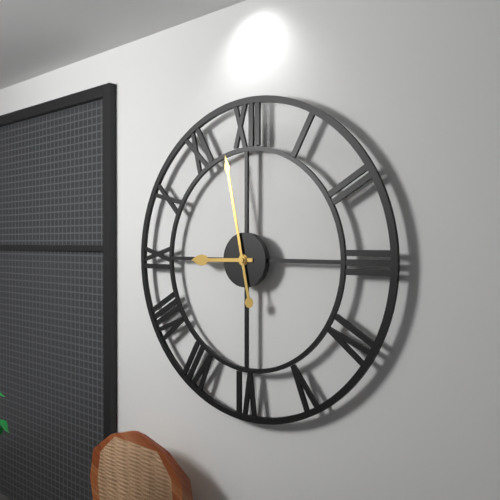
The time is 8:58
